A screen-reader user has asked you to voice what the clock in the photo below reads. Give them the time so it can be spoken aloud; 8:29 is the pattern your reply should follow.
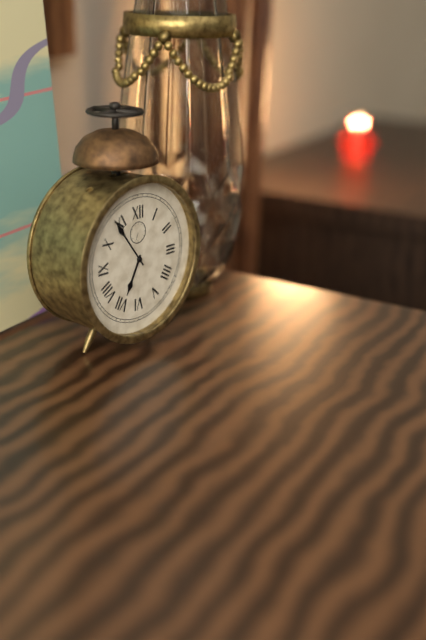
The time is 6:54
